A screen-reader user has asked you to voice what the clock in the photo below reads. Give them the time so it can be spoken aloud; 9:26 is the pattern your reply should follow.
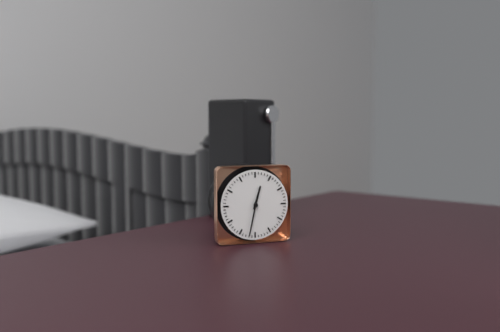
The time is 12:32
